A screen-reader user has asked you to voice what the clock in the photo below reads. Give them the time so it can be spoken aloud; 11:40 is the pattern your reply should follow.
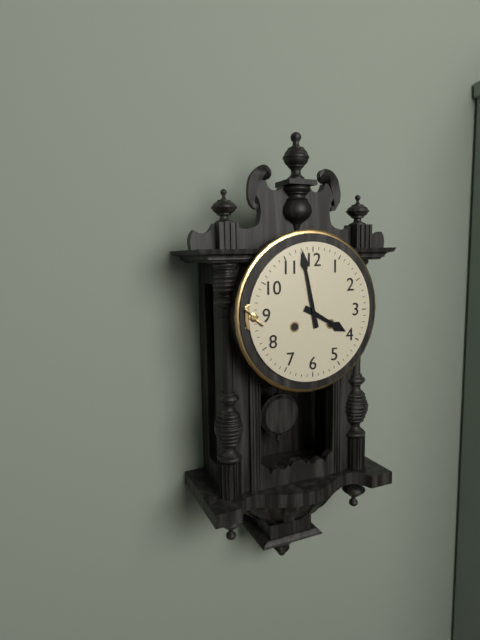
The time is 3:58
